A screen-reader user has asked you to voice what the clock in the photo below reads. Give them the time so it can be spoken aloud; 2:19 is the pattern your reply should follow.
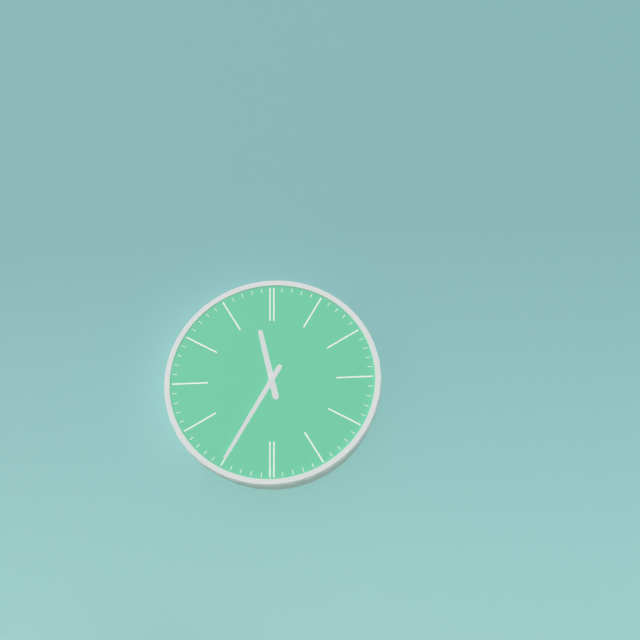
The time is 11:35
